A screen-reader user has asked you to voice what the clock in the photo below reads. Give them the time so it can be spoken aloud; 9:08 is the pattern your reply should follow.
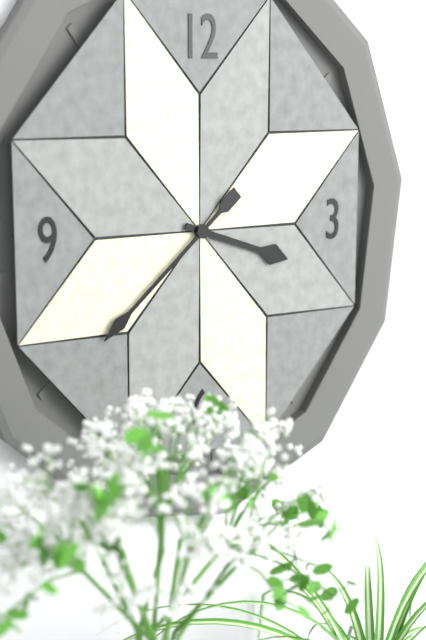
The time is 3:38
